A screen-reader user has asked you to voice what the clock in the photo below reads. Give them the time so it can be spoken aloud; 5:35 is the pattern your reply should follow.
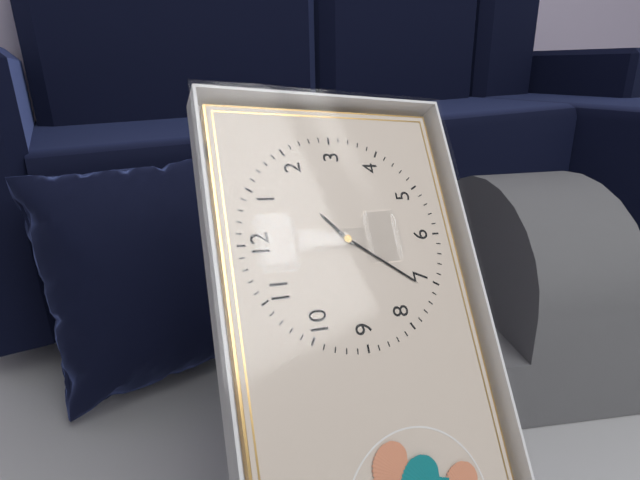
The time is 1:36
